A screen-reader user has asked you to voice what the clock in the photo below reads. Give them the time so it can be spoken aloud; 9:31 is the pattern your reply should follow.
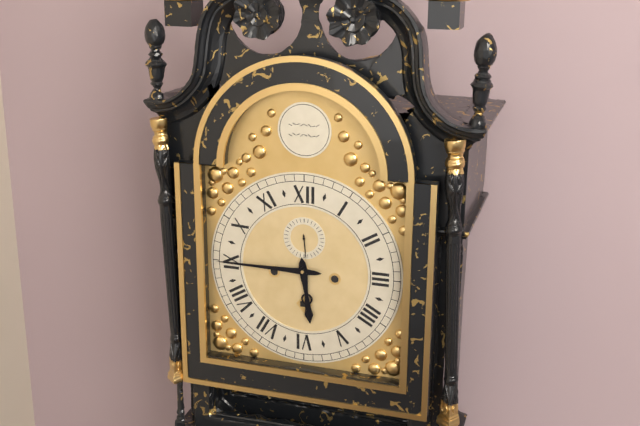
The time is 5:45
